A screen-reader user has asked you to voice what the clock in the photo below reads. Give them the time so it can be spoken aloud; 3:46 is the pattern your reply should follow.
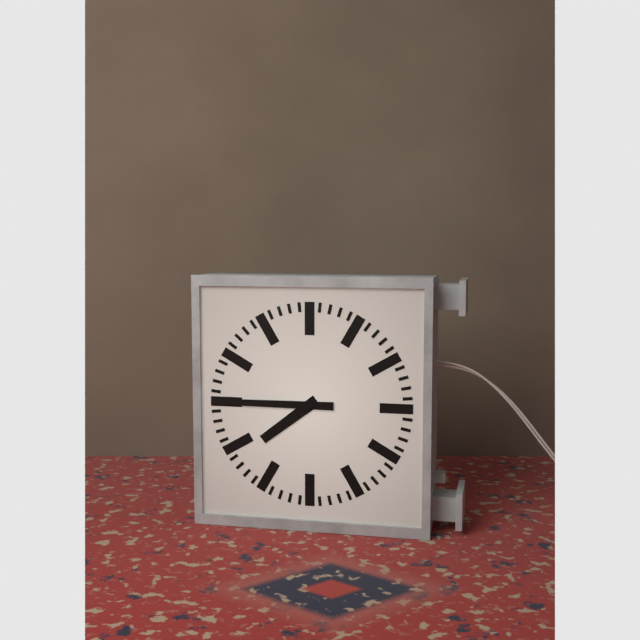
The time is 7:45
